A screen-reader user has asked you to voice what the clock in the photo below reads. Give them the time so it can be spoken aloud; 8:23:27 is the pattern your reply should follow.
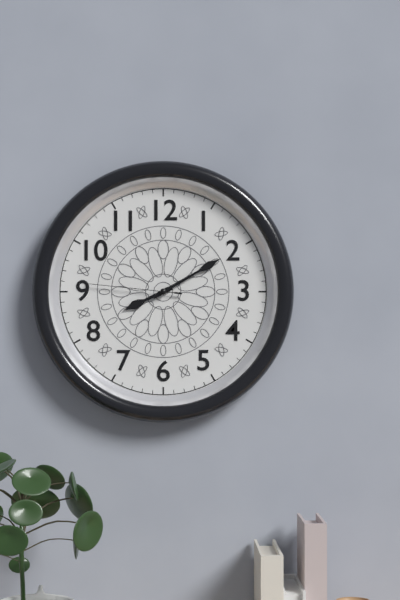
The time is 8:10:46
